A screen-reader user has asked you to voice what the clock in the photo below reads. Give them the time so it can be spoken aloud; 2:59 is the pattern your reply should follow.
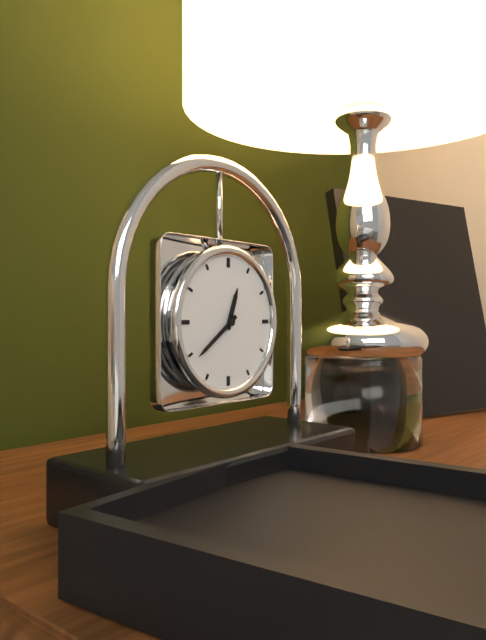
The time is 12:39
